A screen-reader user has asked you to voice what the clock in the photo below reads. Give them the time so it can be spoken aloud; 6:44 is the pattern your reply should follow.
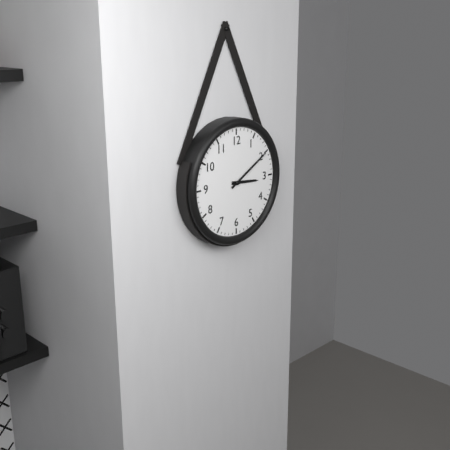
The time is 3:10
